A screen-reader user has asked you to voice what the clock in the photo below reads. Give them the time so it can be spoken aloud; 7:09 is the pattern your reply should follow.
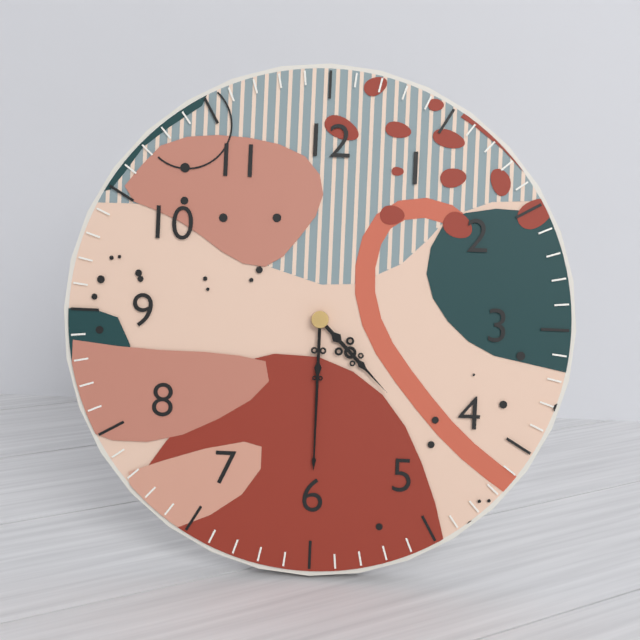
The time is 4:30
